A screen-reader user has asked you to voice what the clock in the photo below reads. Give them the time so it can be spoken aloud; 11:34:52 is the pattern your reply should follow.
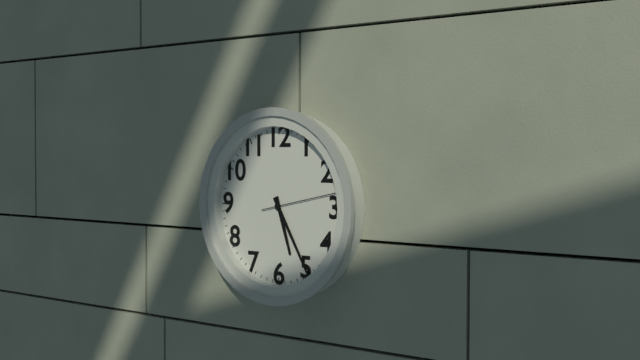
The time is 5:25:13
